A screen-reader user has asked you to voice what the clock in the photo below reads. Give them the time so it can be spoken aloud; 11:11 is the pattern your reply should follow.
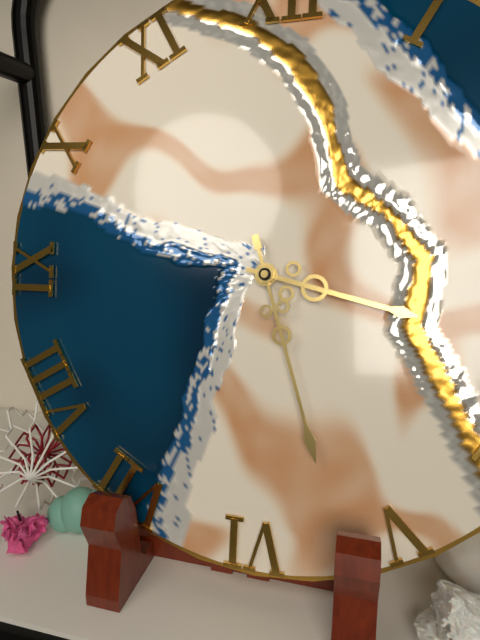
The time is 3:27
